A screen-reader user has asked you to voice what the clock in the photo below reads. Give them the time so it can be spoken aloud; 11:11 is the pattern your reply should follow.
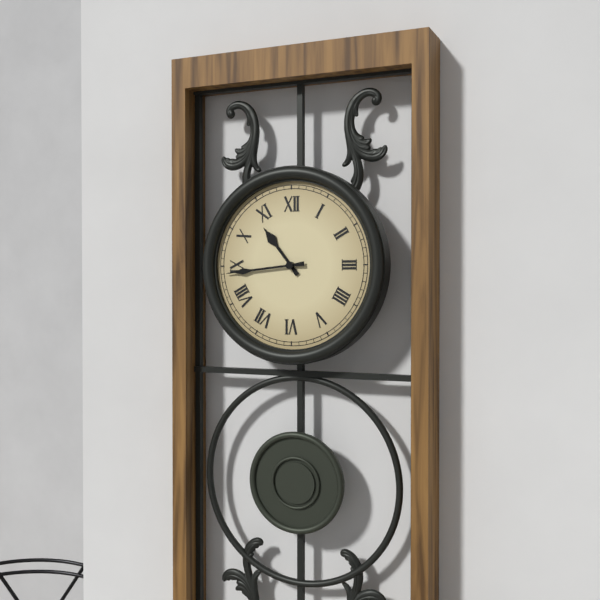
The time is 10:44
